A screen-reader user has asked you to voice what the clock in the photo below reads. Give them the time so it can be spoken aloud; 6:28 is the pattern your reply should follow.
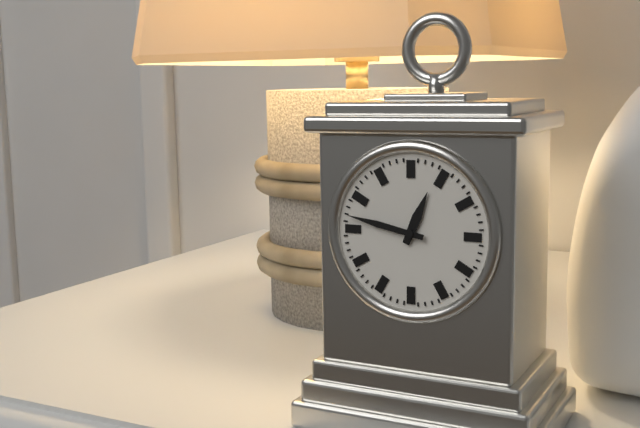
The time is 12:47
